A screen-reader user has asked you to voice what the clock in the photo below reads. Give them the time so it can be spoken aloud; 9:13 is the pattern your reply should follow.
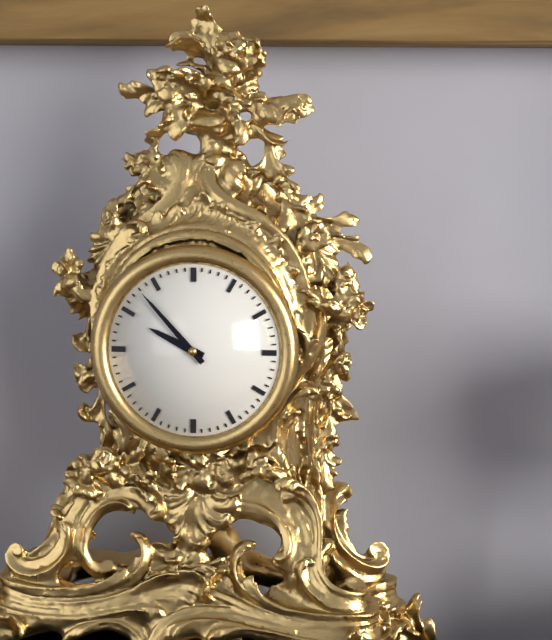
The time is 9:53
